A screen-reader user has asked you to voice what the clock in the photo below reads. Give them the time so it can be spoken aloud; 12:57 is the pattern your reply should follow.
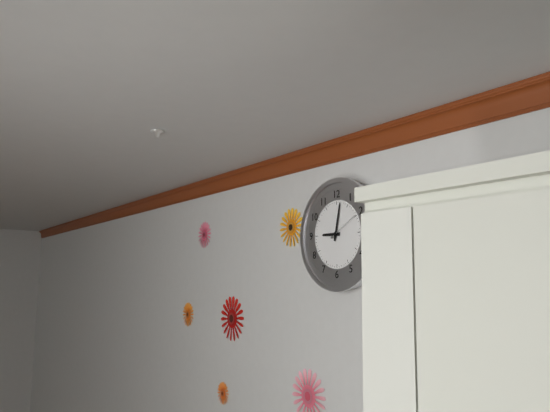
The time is 9:02
